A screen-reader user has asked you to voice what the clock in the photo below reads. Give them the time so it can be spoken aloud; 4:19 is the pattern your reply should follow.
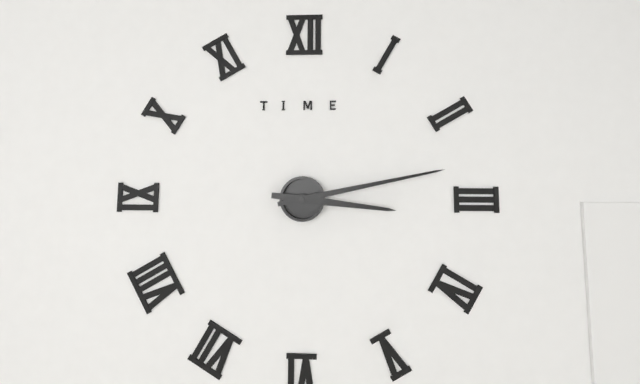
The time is 3:13
